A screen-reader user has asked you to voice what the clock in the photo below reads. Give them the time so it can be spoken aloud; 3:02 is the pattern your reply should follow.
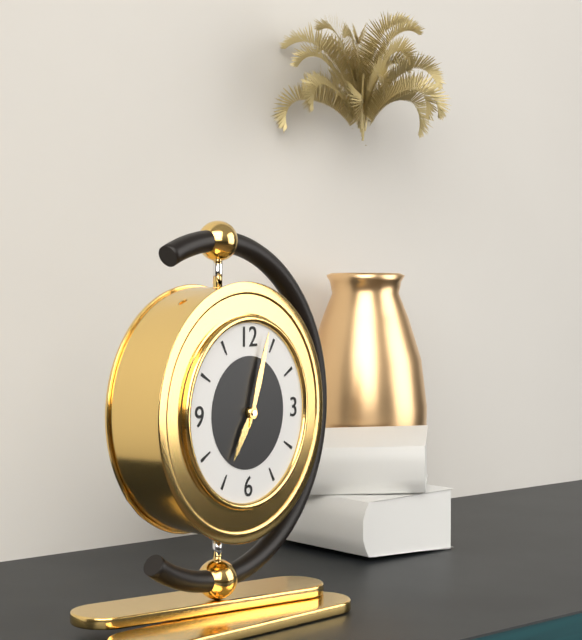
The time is 7:03
